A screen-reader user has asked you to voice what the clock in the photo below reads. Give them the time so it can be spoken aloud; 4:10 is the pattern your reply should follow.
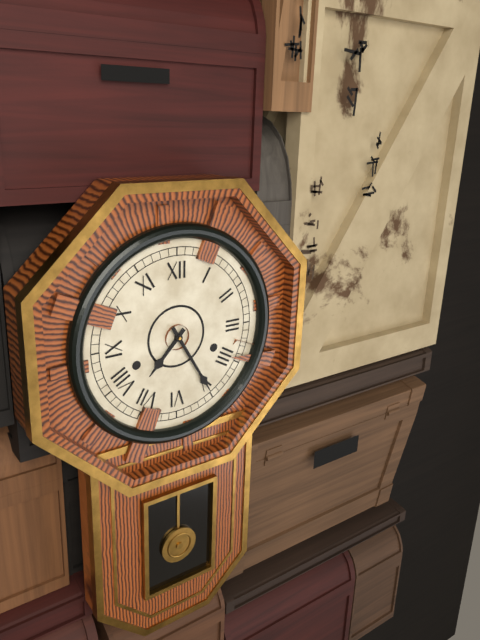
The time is 7:25
